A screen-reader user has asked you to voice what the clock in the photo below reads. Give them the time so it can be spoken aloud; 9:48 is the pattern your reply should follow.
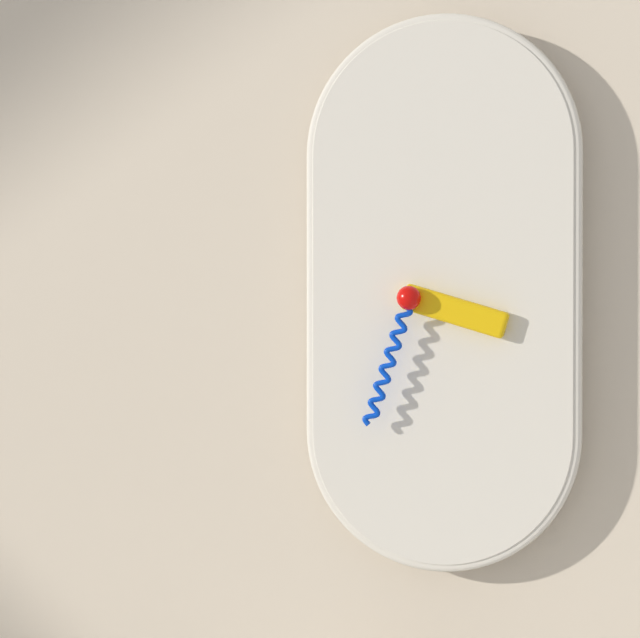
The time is 3:33
